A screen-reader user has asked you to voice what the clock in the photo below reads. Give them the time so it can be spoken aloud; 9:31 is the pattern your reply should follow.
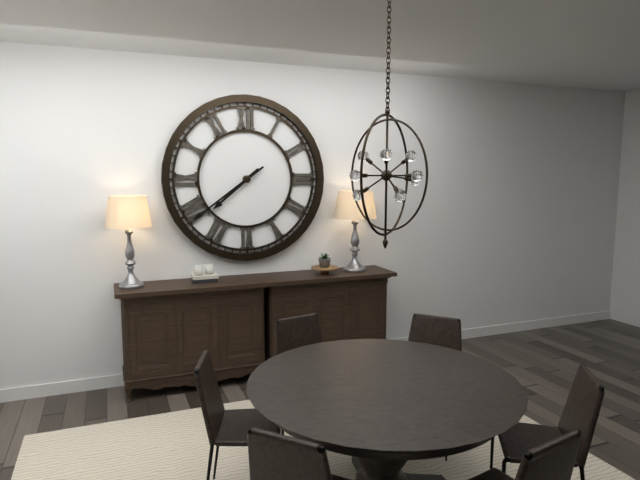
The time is 7:39
